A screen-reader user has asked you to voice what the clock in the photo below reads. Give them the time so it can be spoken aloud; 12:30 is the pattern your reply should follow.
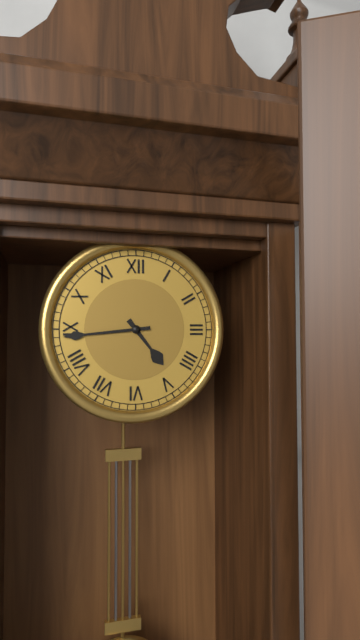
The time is 4:44
